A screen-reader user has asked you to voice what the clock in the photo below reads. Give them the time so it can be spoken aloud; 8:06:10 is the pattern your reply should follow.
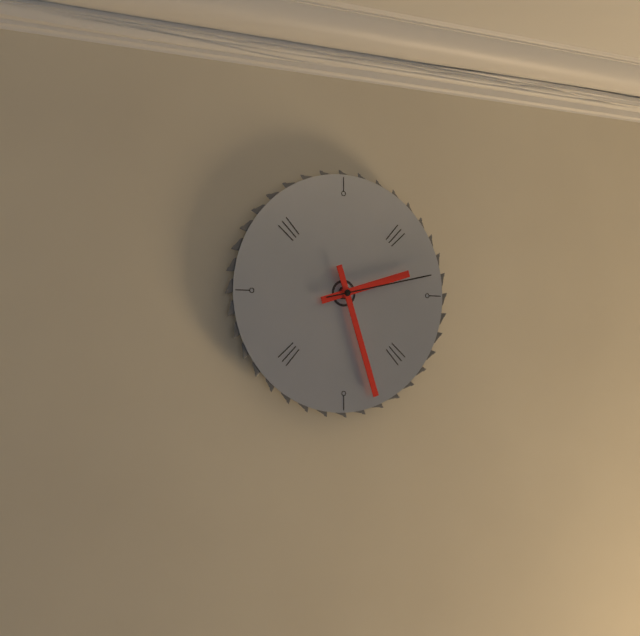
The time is 2:27:13
